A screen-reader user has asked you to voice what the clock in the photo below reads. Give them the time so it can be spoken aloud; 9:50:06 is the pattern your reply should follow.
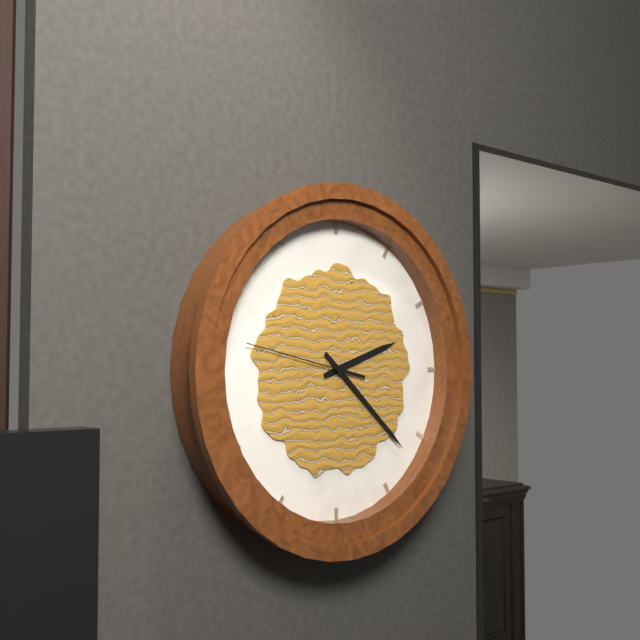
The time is 2:22:47
